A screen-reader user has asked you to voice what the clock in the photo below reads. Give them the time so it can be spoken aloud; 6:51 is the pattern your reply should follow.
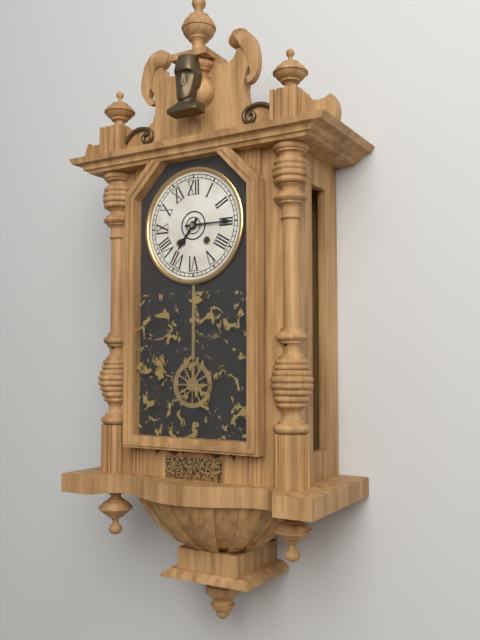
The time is 7:15
